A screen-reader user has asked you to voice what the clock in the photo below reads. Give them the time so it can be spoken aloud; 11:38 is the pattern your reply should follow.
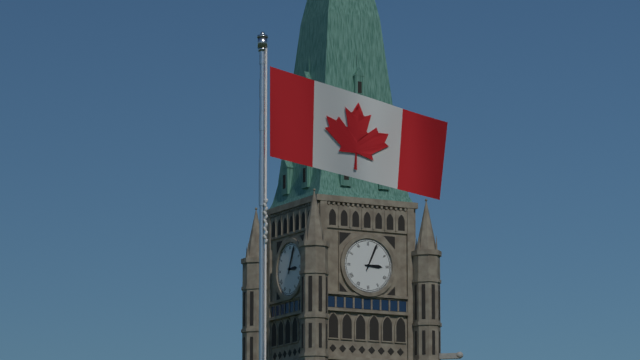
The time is 3:04
